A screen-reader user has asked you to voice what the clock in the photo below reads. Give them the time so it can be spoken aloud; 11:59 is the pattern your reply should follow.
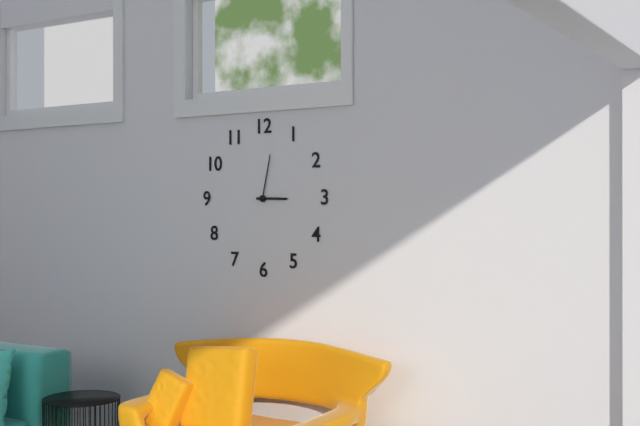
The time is 3:02
